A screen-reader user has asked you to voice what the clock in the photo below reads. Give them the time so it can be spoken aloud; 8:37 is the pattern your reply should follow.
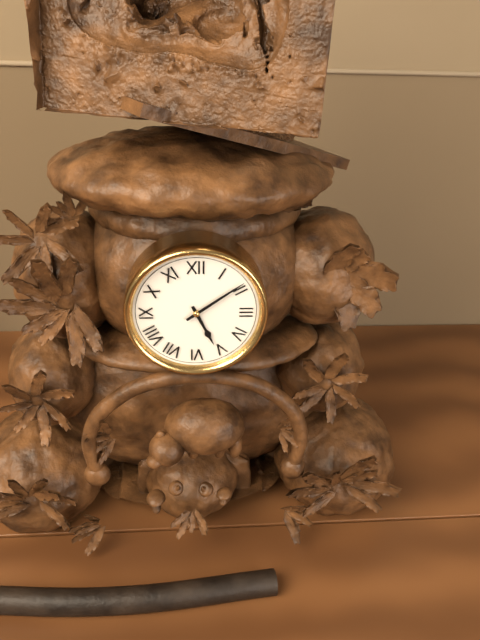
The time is 5:09
